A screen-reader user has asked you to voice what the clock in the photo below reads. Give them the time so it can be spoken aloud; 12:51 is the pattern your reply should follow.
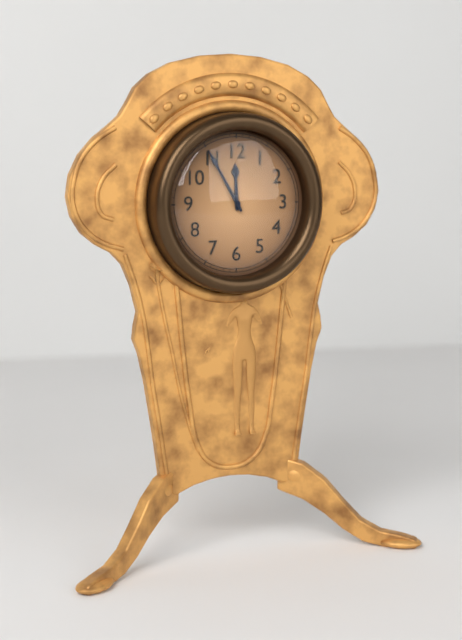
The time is 11:55
